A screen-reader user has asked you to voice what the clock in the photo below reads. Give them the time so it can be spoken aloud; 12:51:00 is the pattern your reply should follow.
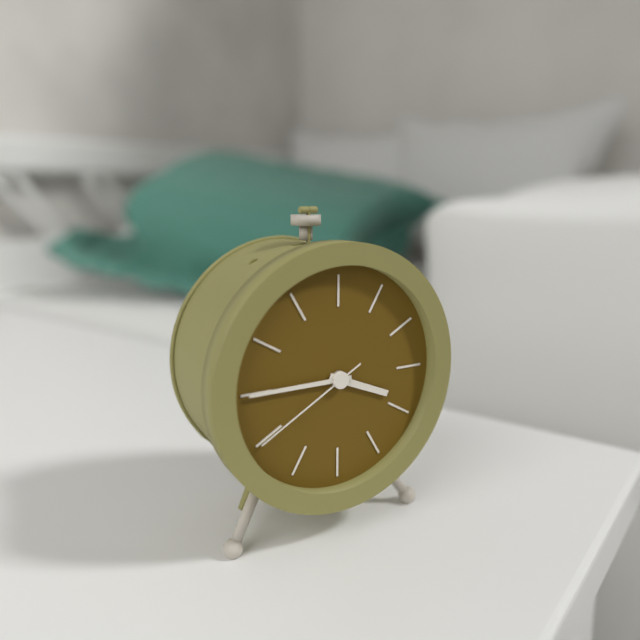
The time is 3:45:40
